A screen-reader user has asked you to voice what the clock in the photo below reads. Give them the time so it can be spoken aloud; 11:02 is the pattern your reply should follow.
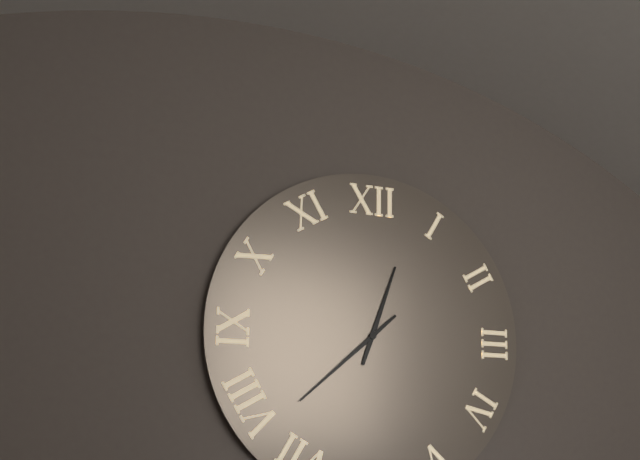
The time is 12:38
